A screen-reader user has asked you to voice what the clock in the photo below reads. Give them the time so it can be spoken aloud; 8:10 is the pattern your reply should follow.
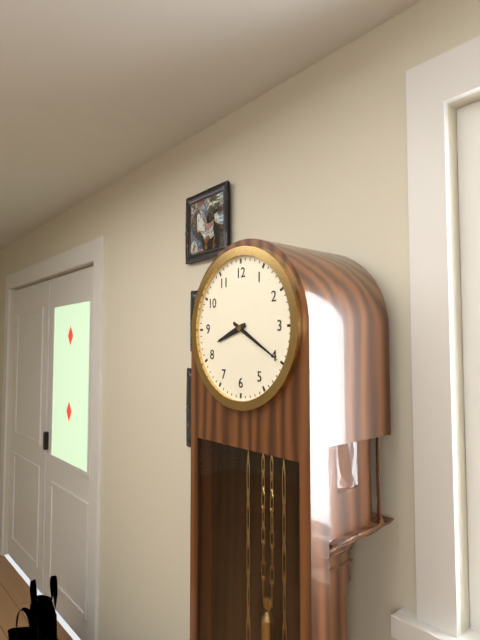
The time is 8:20
